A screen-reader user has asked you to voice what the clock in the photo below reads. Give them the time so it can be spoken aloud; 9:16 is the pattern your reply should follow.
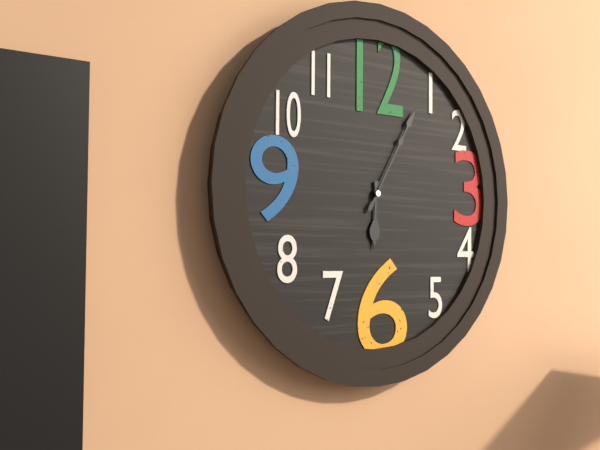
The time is 6:05
